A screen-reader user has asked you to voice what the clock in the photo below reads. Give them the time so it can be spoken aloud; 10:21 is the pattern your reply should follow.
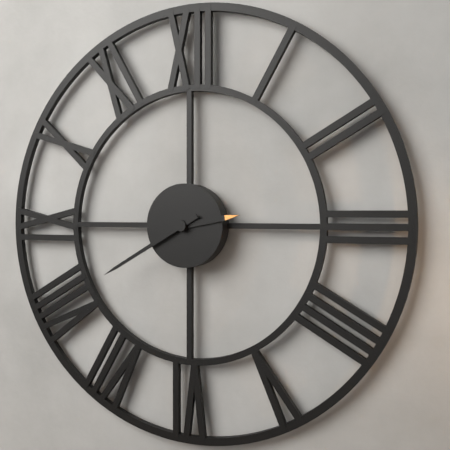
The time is 2:40
